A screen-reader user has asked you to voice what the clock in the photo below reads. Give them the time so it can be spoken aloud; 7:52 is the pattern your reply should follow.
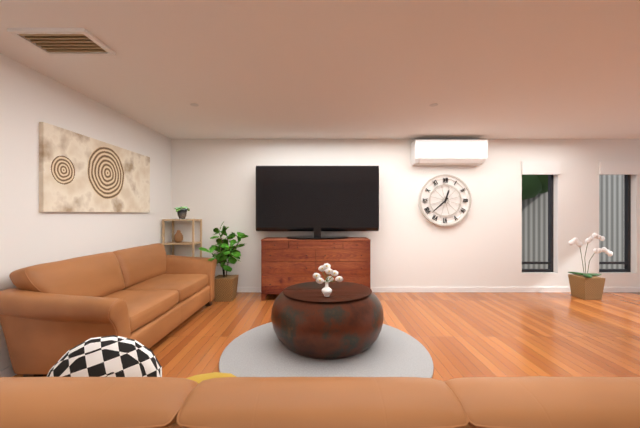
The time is 12:38
